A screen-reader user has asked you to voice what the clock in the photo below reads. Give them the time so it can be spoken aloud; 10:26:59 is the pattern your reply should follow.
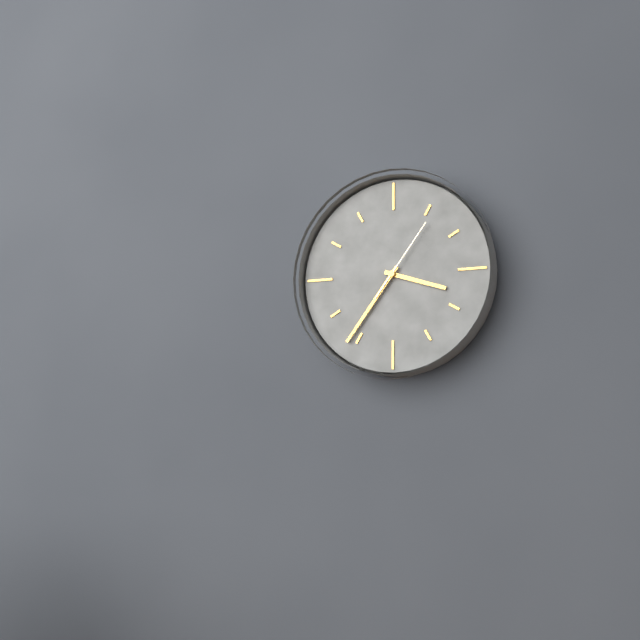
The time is 3:36:06
